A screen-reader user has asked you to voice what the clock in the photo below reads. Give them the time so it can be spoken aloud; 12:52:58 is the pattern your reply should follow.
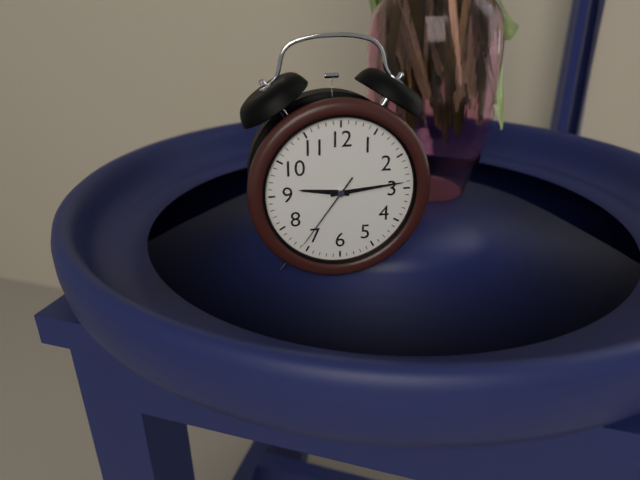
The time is 9:14:36
